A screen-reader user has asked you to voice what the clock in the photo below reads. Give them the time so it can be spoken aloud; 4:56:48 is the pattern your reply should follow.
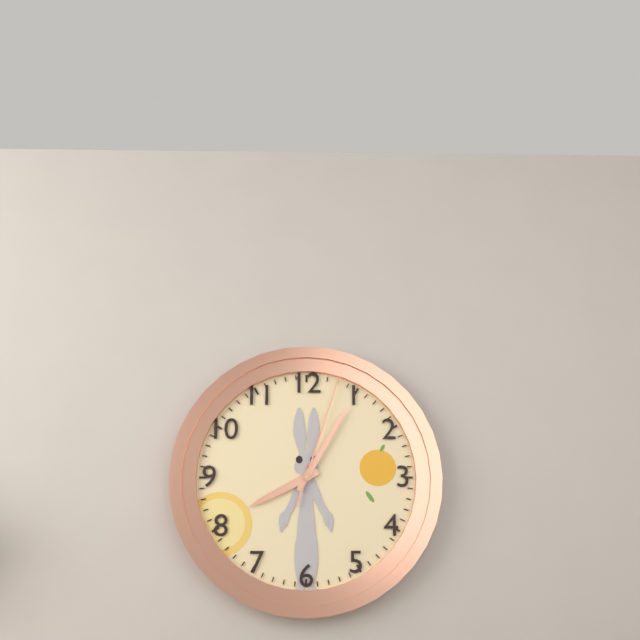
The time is 8:05:03
